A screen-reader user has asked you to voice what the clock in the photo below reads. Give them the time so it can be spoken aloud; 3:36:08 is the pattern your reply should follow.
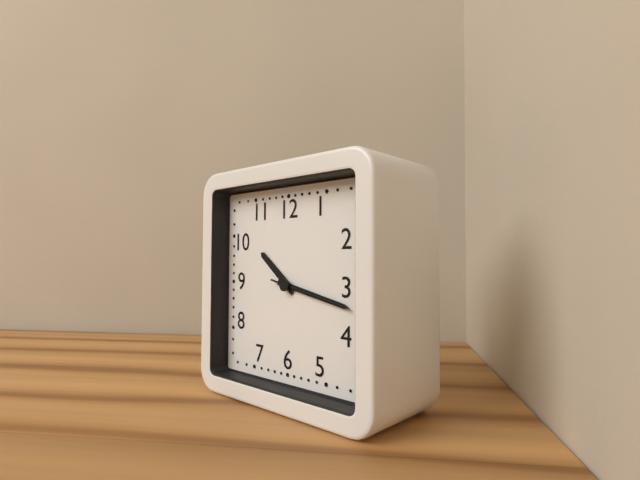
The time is 10:17:17
